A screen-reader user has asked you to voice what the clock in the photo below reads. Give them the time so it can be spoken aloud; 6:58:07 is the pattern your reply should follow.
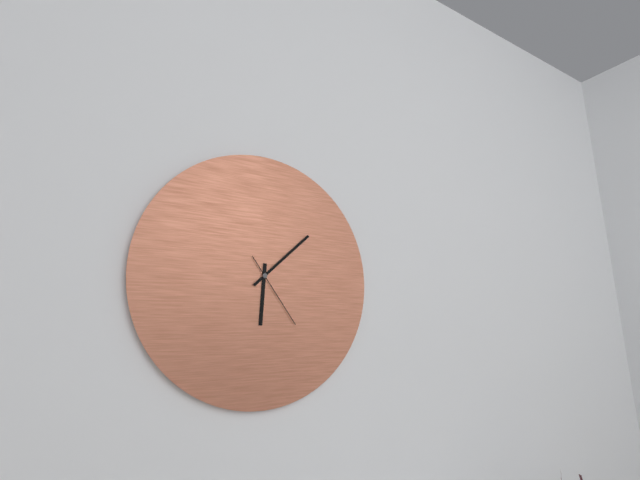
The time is 6:08:24
